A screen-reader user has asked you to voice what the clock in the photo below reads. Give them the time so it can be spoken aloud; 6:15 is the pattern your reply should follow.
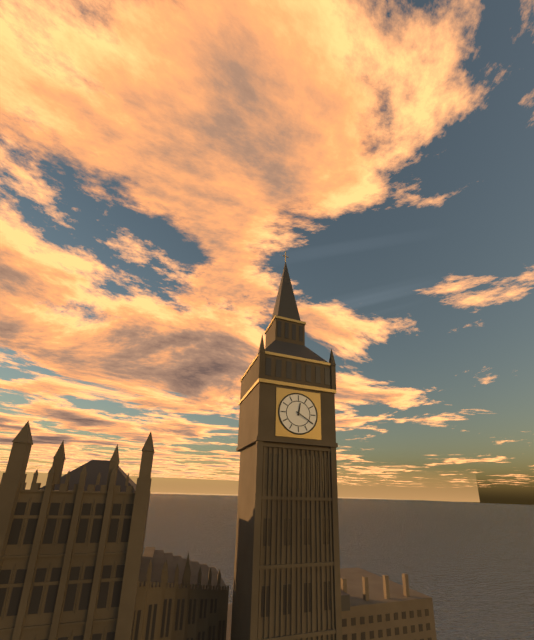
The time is 12:20
